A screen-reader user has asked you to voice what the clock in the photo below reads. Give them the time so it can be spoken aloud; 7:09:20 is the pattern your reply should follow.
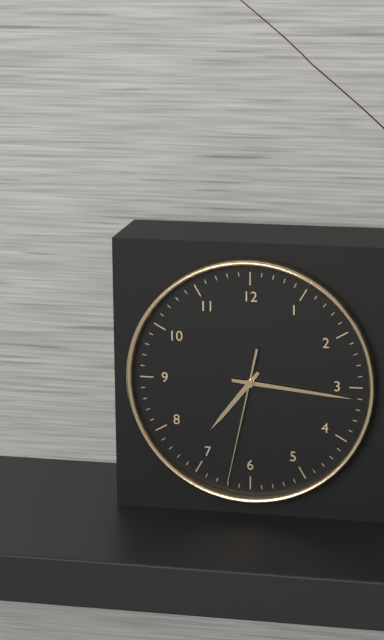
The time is 7:16:32
